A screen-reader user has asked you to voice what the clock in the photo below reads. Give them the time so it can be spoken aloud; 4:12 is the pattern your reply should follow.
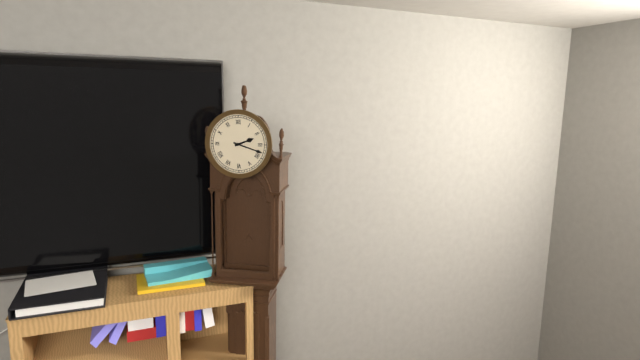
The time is 2:18
